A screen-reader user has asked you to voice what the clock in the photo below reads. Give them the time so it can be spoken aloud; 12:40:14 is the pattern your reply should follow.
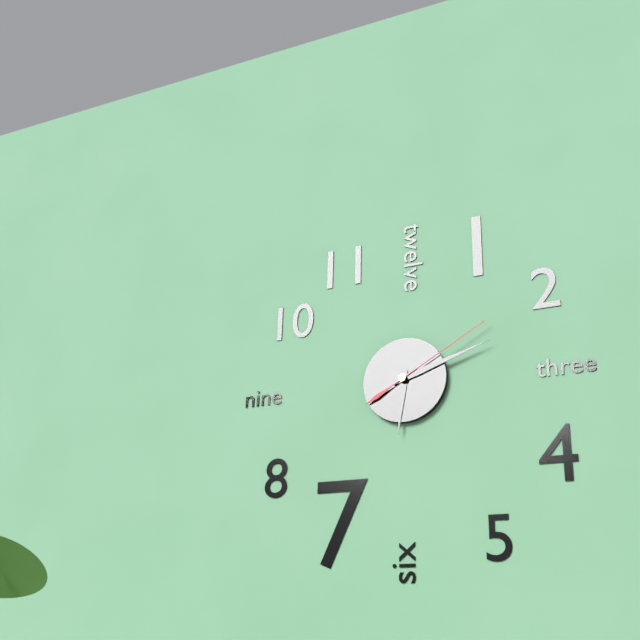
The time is 6:12:10
